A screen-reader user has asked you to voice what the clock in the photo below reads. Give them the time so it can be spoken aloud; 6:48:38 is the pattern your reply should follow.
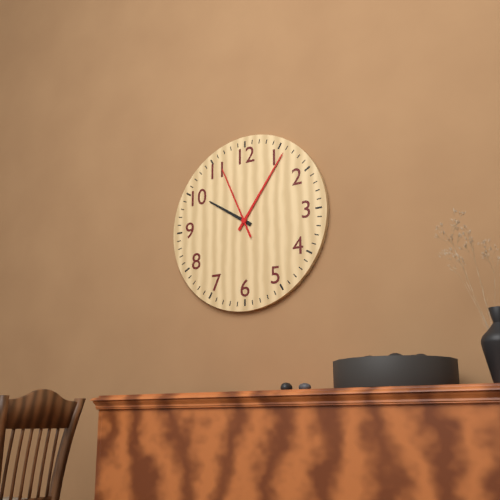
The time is 10:06:56
